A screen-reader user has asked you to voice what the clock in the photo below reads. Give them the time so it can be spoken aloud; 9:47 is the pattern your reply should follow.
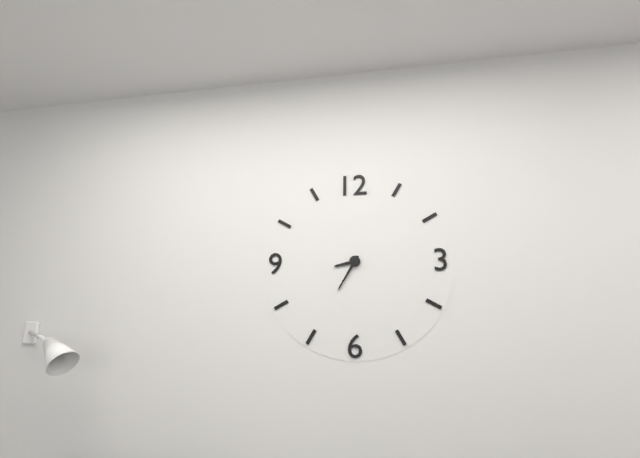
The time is 8:35
